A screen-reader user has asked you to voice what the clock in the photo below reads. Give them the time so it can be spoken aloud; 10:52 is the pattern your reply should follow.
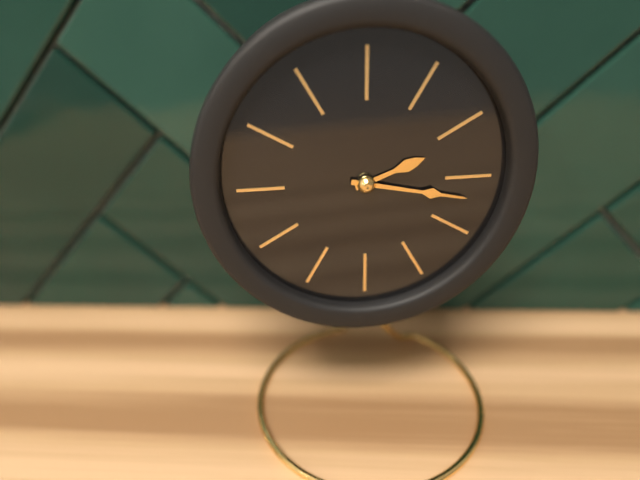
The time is 2:17
